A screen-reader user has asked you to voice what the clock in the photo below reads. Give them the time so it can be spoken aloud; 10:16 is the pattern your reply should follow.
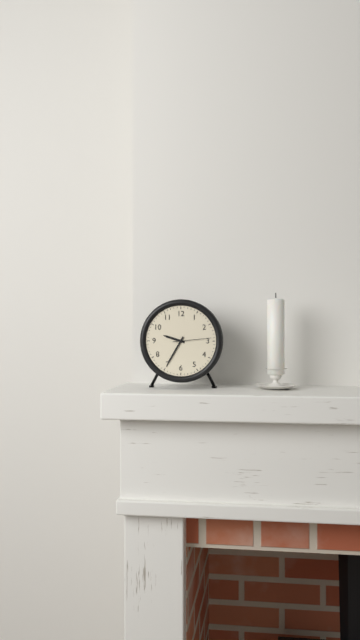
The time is 9:35
